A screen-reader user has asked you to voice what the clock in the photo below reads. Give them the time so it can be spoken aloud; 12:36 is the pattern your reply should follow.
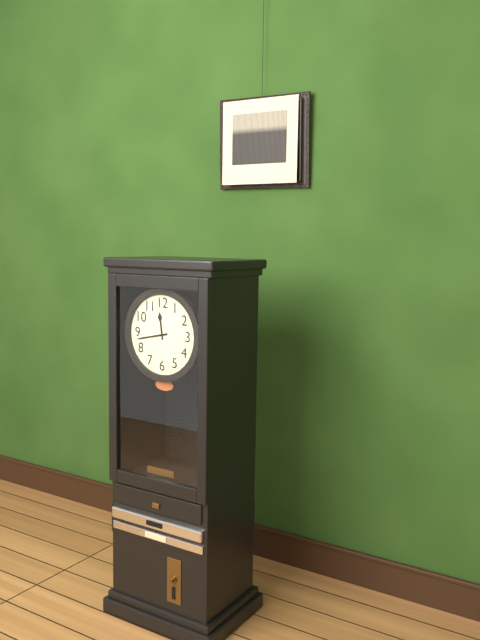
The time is 11:43
